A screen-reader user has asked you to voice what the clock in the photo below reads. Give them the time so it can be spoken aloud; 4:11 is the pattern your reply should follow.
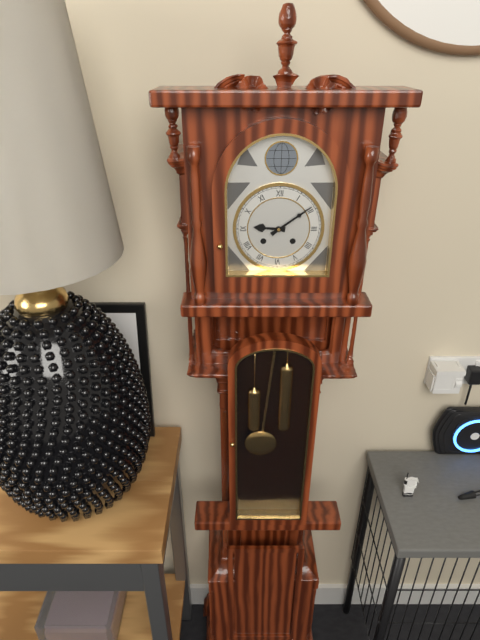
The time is 9:09
